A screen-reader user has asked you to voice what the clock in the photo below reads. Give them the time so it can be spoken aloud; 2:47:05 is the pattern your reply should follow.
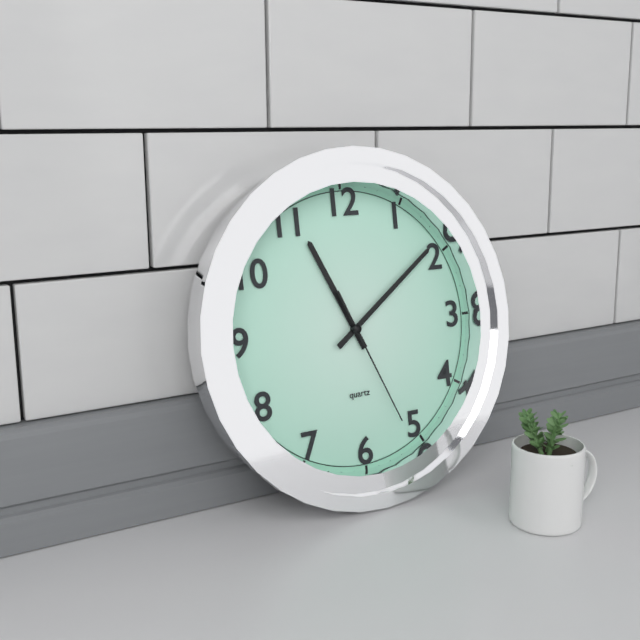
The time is 11:09:26
